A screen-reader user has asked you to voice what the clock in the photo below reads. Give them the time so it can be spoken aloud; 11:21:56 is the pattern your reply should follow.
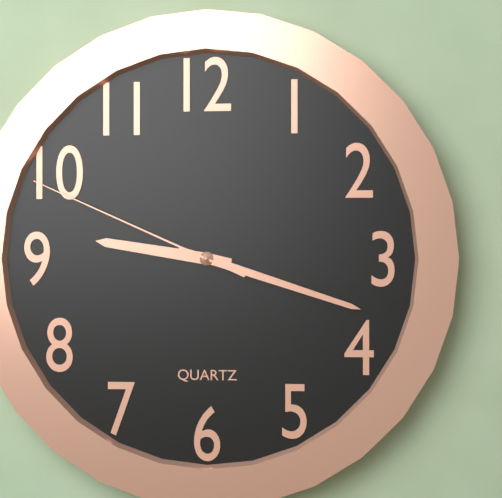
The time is 9:18:49
